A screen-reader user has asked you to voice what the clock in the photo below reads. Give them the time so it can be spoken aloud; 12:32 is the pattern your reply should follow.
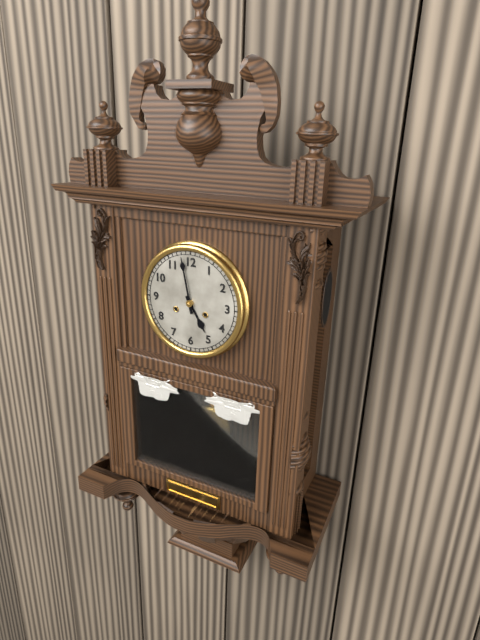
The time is 4:58
